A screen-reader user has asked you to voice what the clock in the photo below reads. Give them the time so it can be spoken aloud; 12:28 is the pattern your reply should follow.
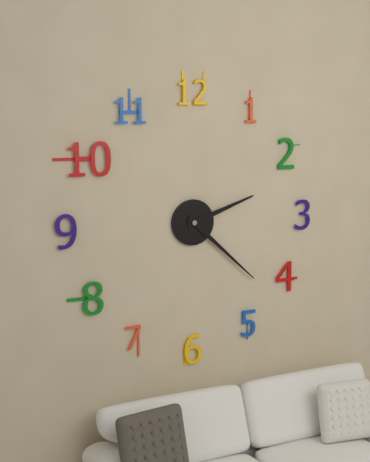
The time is 2:22
